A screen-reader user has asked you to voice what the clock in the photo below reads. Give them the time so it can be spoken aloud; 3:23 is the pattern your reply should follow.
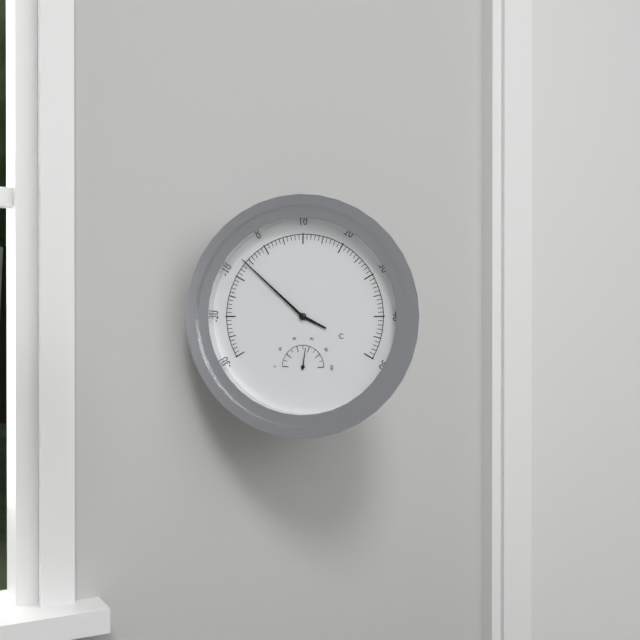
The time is 3:52
